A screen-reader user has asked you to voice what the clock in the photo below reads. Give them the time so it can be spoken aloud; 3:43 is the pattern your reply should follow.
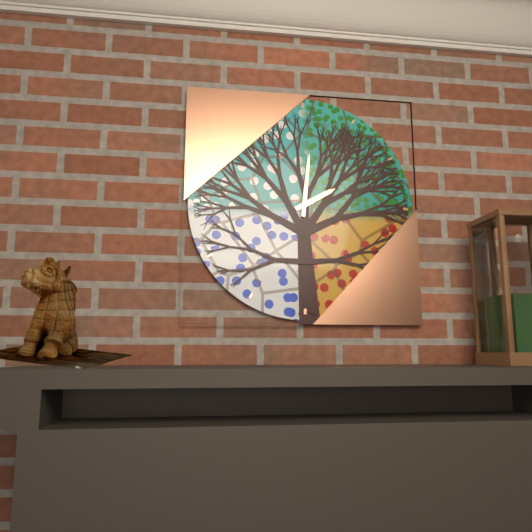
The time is 2:01
